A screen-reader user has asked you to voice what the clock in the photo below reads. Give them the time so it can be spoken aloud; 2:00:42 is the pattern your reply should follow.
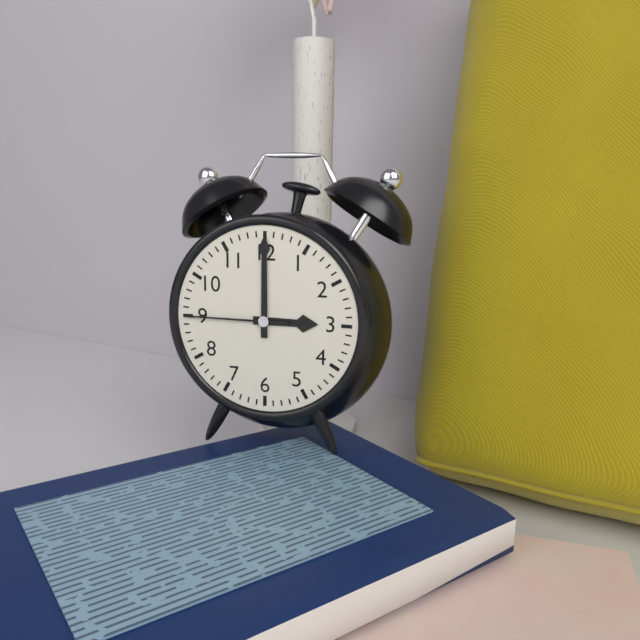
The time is 3:00:45
